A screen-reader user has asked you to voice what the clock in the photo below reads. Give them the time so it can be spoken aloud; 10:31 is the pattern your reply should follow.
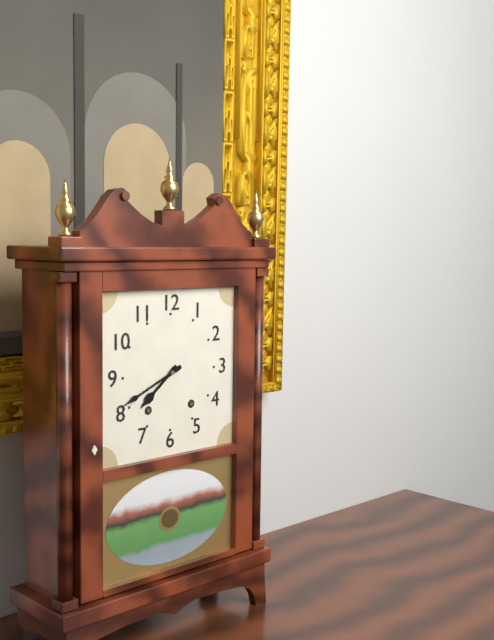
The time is 7:41
